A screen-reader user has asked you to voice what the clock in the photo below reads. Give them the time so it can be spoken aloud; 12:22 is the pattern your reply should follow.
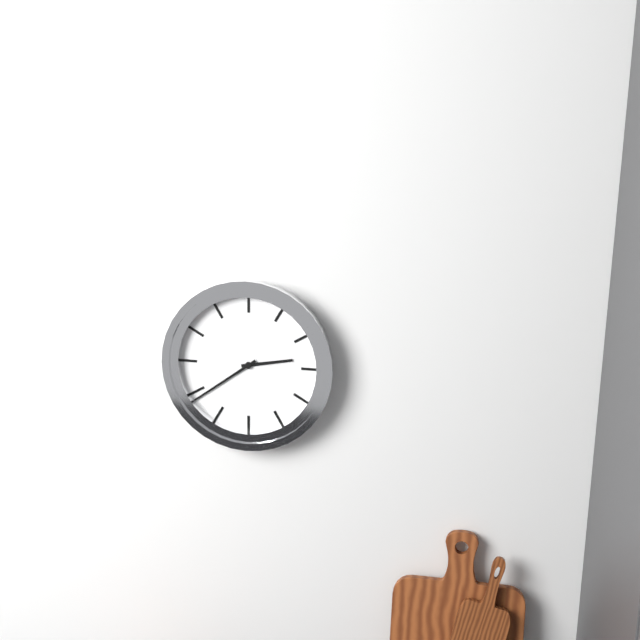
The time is 2:39
